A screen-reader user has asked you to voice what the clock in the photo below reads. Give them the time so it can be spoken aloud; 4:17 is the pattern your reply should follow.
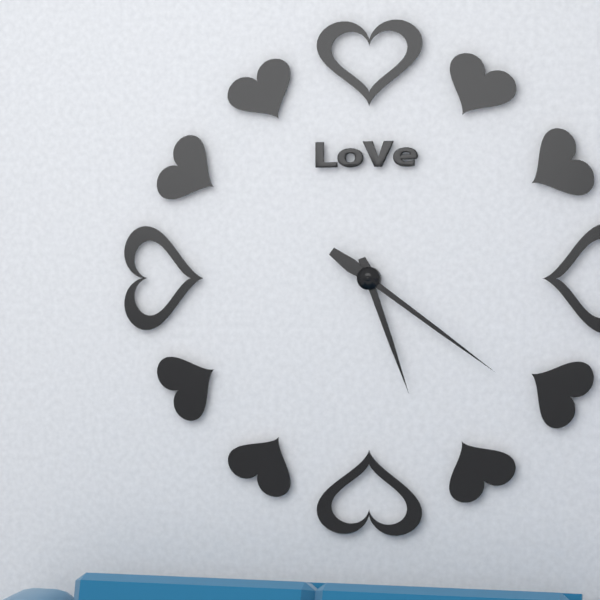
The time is 5:21
